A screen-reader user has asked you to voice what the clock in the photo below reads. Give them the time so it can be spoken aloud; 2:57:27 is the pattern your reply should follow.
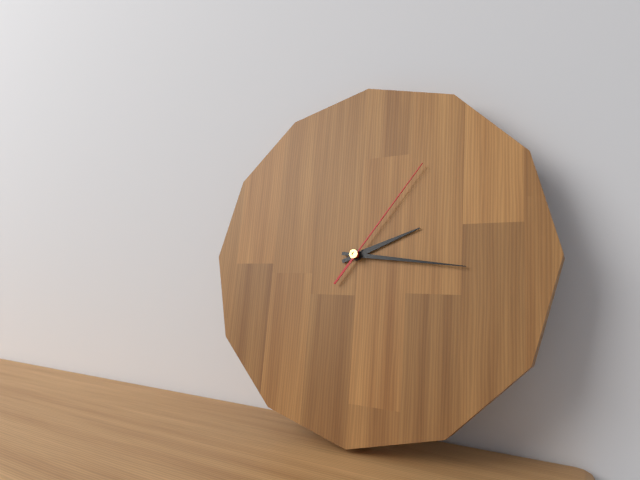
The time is 2:16:06
